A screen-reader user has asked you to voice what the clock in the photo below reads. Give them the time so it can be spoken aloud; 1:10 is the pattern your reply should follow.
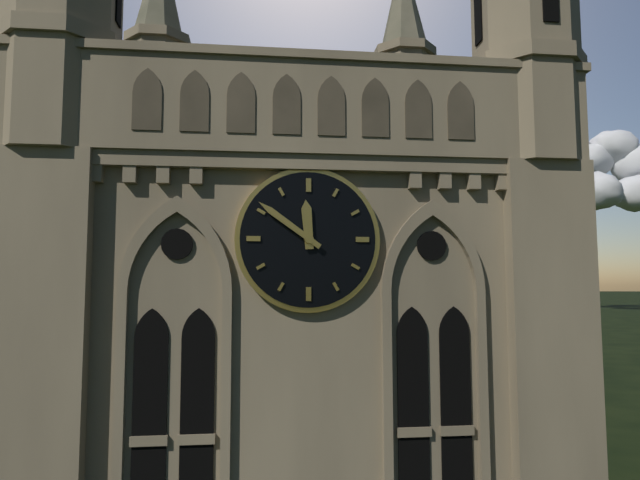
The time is 11:51
